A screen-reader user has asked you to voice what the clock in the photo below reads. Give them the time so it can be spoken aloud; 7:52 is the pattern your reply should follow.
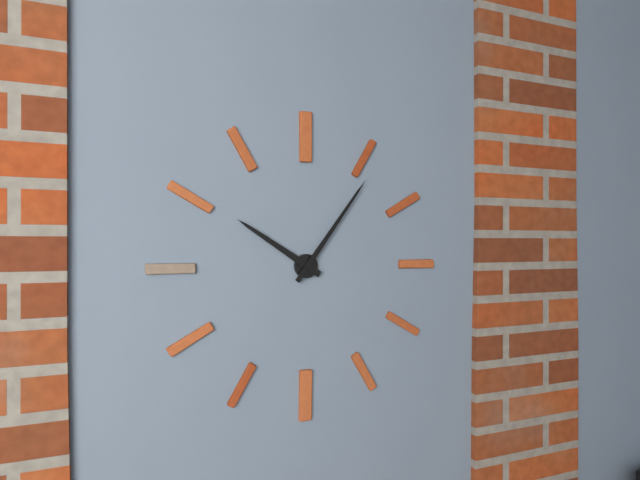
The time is 10:06
